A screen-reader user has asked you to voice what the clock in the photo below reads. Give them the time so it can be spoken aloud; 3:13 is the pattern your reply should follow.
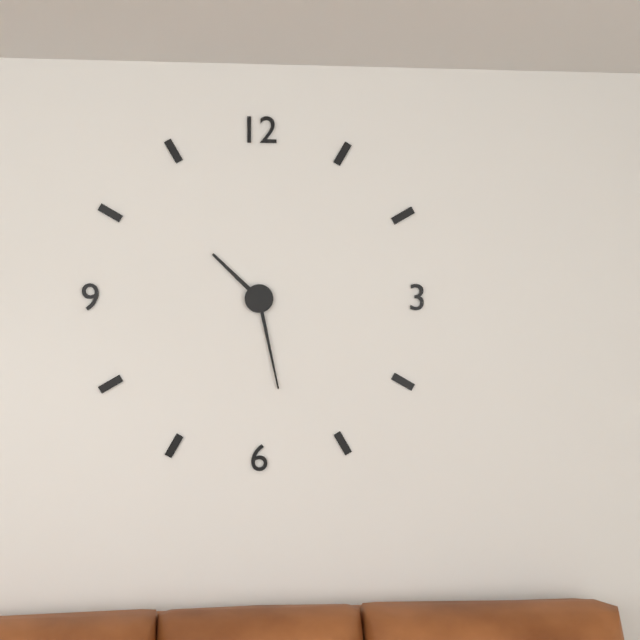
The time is 10:28
